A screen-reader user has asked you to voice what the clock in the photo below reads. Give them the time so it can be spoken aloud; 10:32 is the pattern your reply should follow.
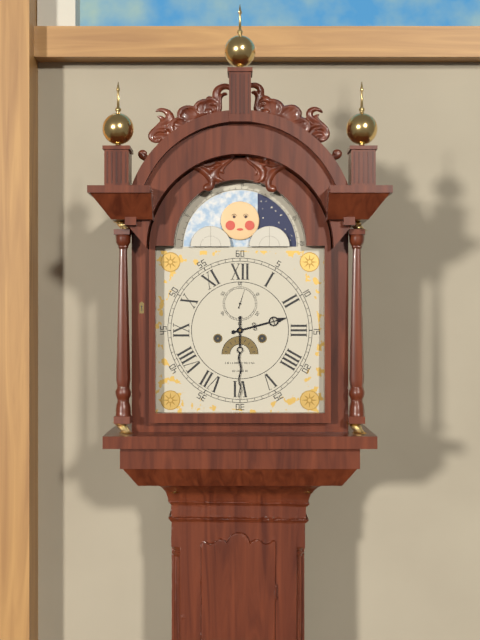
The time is 2:30
